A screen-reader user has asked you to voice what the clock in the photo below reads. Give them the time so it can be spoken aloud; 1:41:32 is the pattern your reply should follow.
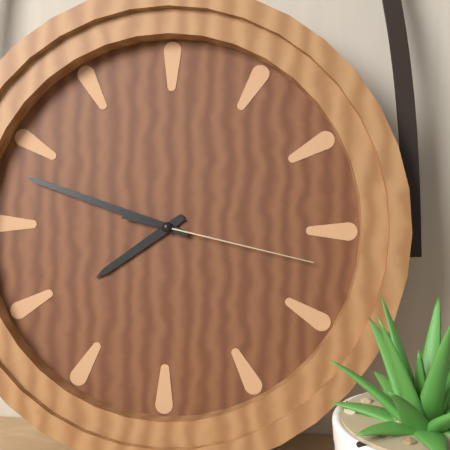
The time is 7:48:17
